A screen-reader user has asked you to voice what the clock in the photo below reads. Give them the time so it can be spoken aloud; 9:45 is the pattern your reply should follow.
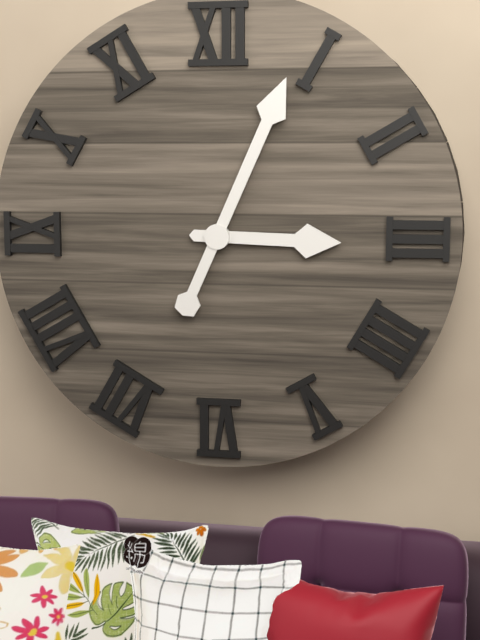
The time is 3:04
